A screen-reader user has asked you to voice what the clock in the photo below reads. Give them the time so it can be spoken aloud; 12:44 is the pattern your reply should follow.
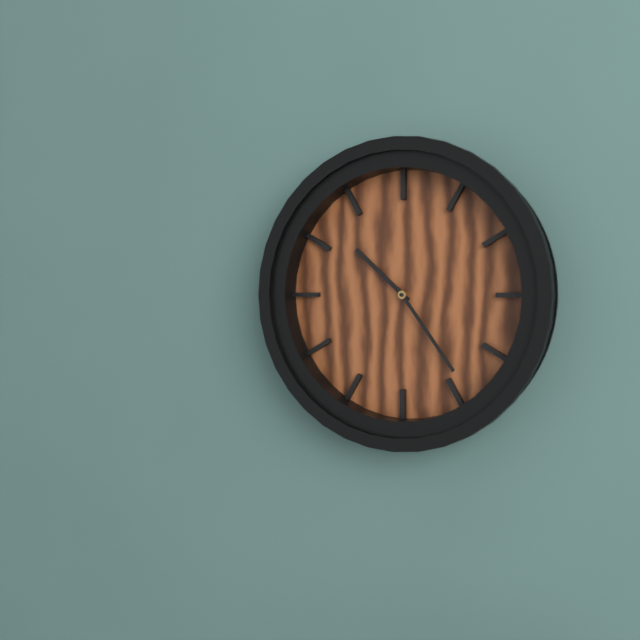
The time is 10:24
